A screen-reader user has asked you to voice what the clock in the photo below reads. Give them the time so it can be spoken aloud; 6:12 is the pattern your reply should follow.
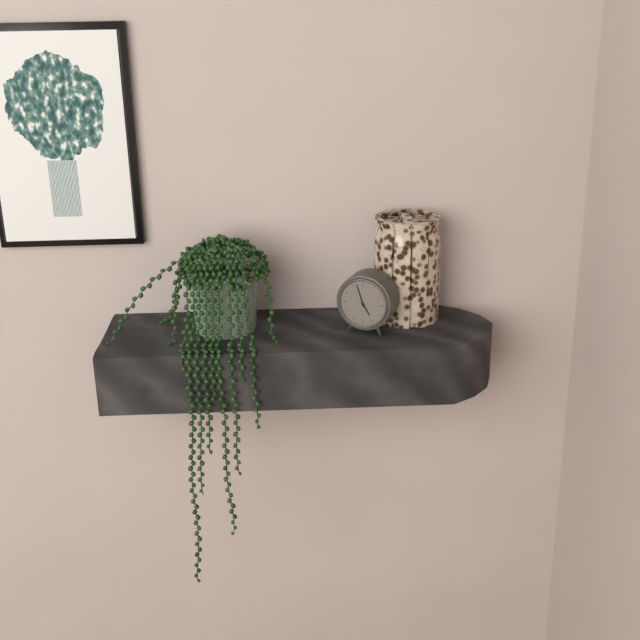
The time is 4:57
